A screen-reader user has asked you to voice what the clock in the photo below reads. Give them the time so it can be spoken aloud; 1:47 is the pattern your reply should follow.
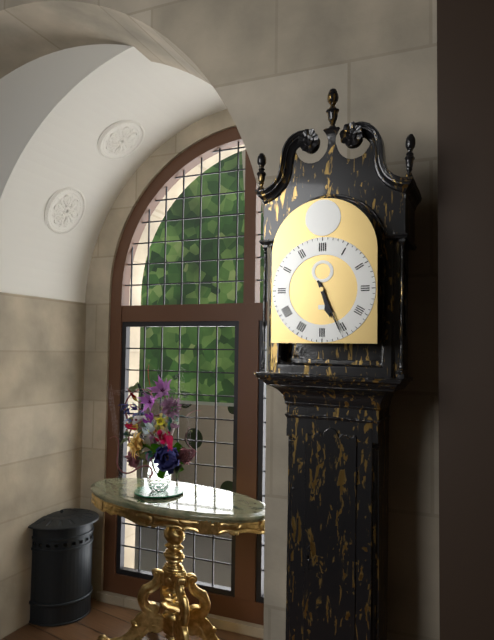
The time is 5:26
